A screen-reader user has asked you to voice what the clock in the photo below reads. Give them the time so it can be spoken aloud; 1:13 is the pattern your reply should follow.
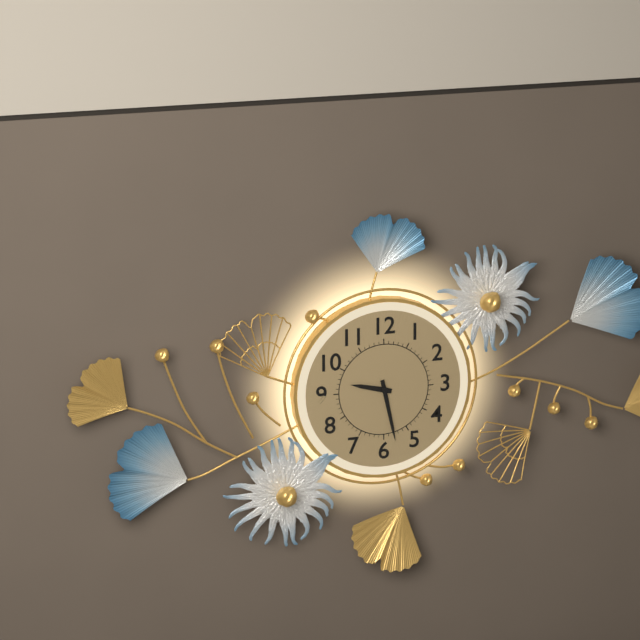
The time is 9:28
